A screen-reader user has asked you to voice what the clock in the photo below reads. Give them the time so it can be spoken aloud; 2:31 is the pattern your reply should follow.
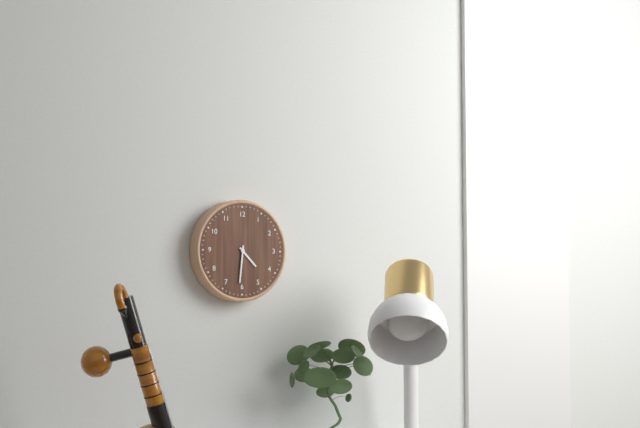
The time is 4:31
